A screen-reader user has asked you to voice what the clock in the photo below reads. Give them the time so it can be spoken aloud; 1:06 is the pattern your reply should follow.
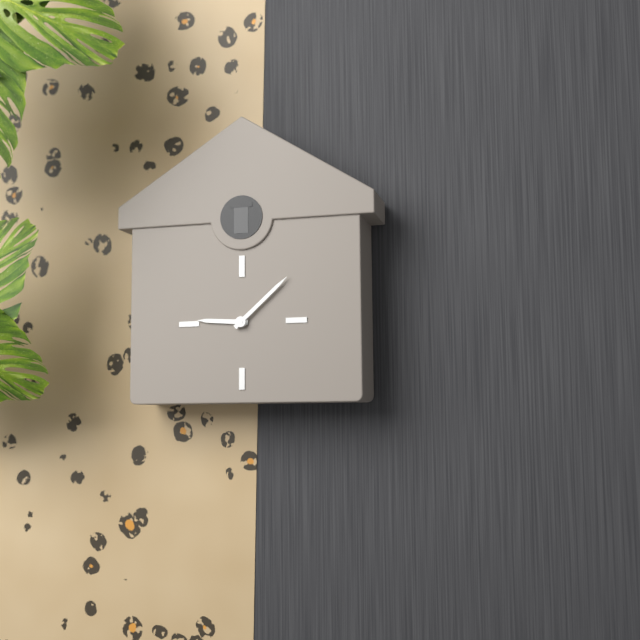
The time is 9:08
